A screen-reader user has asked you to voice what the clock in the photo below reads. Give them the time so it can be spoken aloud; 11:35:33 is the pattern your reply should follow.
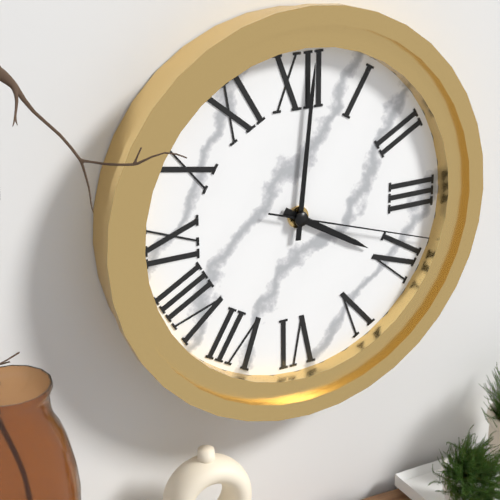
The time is 4:01:18
